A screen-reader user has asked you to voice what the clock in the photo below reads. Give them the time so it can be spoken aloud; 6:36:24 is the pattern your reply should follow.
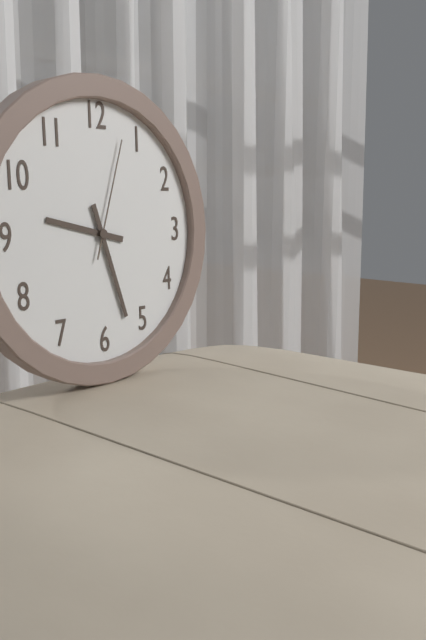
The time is 9:27:03
